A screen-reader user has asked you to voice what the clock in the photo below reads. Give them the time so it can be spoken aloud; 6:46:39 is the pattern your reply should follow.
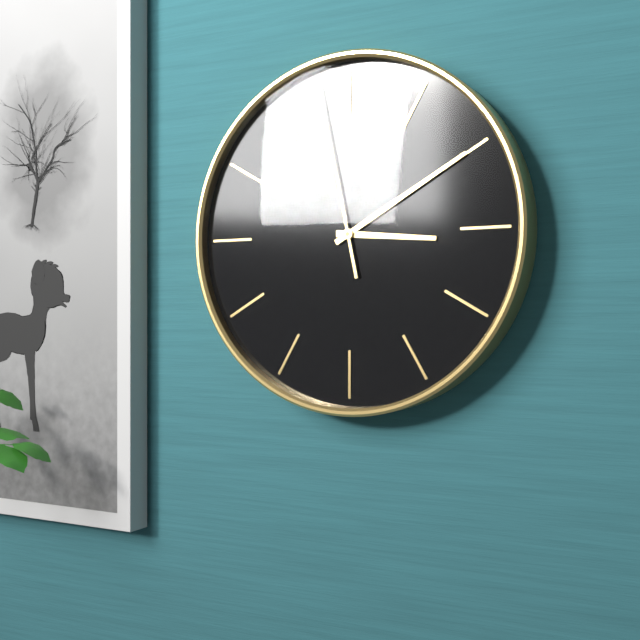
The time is 3:10:58
